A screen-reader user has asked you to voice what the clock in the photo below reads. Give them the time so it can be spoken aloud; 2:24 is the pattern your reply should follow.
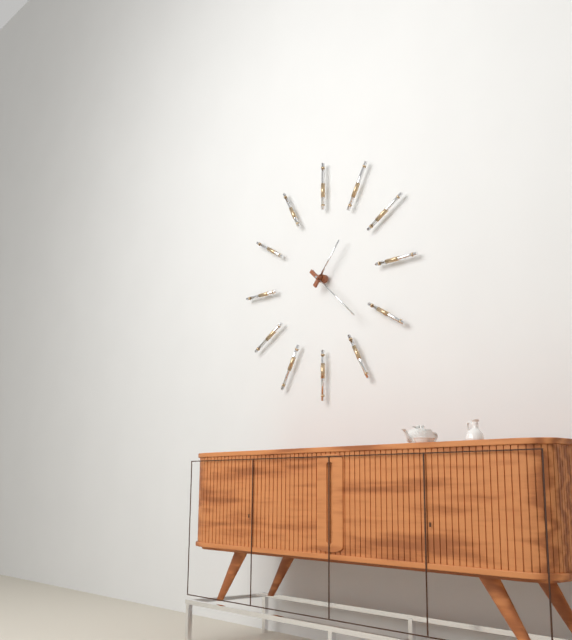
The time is 1:22
